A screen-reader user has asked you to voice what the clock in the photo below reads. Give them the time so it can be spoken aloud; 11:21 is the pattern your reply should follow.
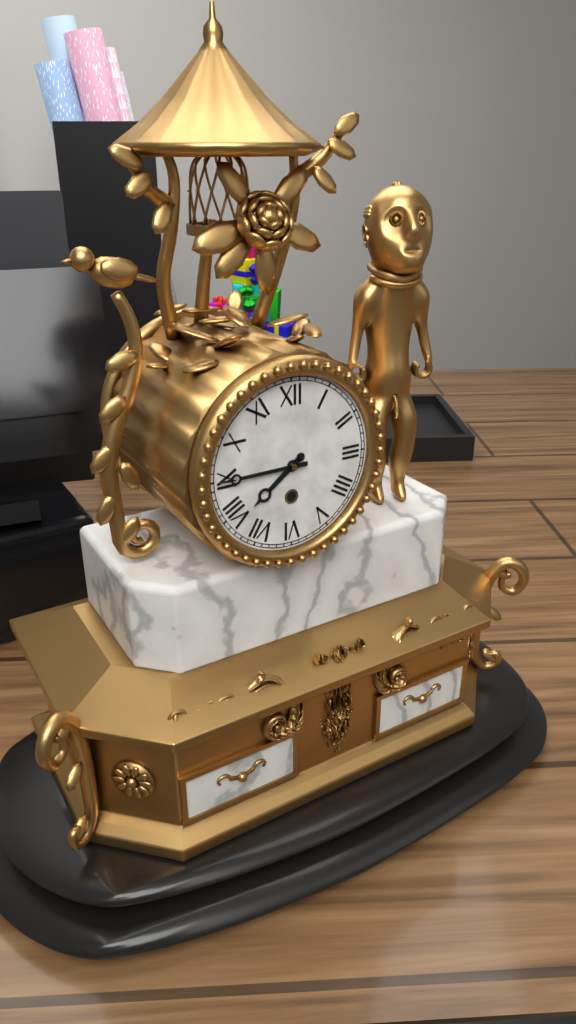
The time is 7:45
